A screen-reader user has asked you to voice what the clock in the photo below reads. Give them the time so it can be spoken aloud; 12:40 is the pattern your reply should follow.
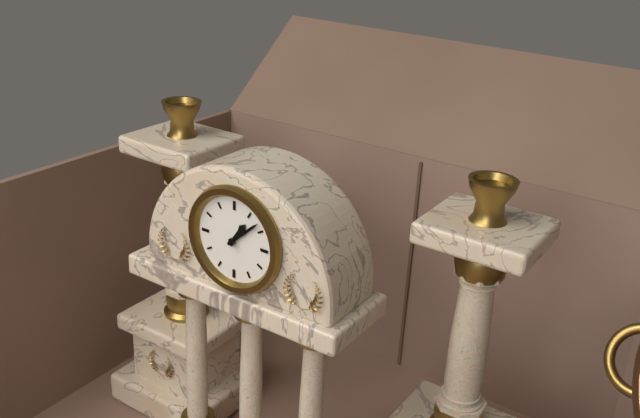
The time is 1:08
